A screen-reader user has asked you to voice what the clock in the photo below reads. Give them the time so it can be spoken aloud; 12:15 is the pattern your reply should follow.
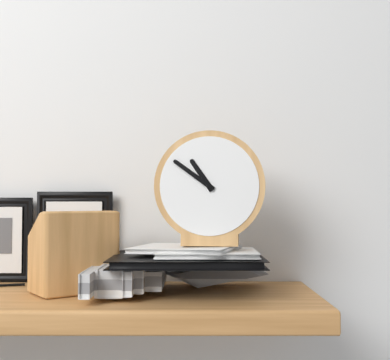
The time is 10:51
